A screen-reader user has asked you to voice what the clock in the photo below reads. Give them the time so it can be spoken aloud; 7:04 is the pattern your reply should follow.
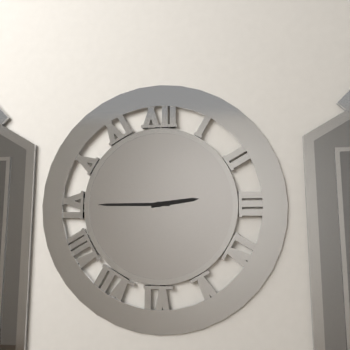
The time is 2:45
